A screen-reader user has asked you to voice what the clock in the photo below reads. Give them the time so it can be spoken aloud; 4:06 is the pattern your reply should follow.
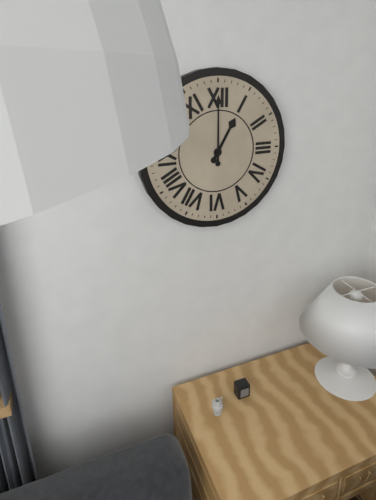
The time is 1:00
